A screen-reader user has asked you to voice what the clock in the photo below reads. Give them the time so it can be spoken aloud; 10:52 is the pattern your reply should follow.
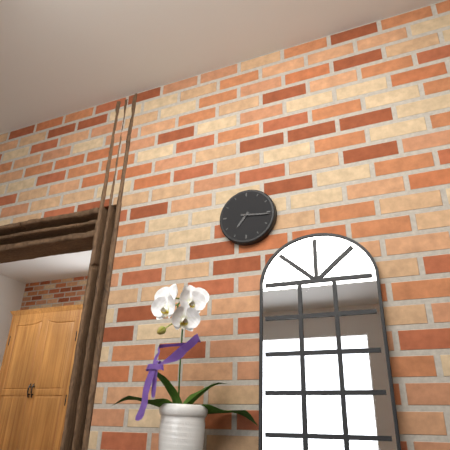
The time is 7:16
